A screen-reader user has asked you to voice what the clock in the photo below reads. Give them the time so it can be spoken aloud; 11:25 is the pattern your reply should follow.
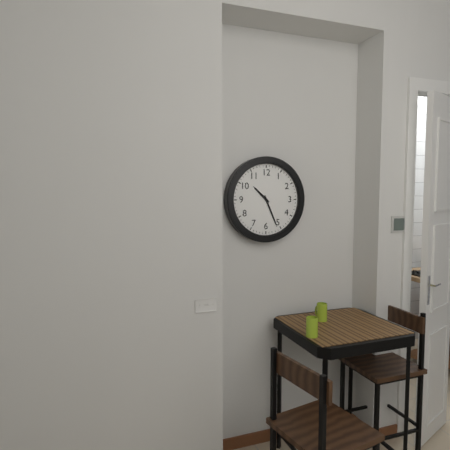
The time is 10:26
